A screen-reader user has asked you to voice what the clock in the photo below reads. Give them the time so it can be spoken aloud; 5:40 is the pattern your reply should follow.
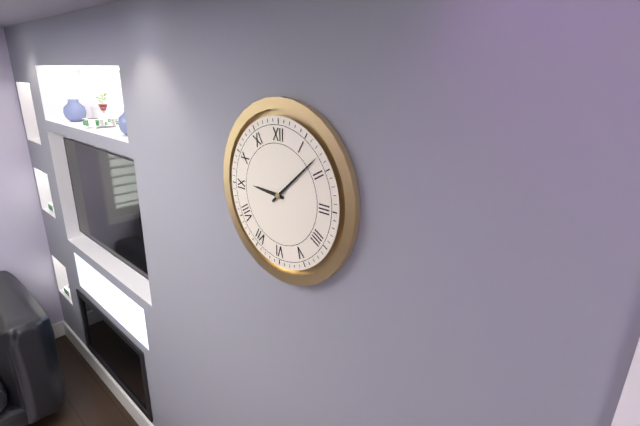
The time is 9:08
